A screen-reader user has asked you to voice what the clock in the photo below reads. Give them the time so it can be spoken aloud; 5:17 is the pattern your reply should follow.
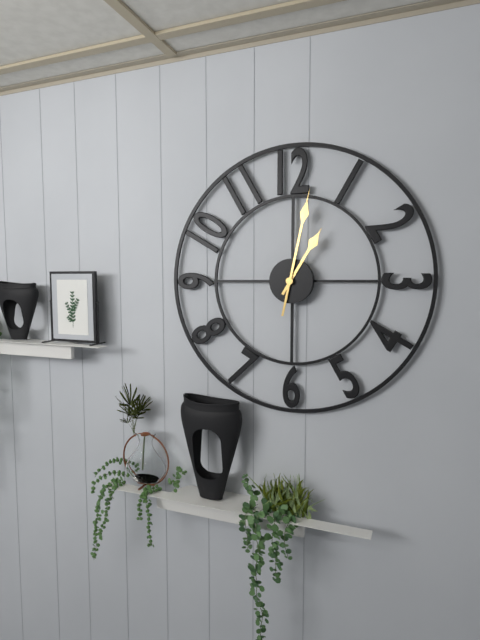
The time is 1:02
